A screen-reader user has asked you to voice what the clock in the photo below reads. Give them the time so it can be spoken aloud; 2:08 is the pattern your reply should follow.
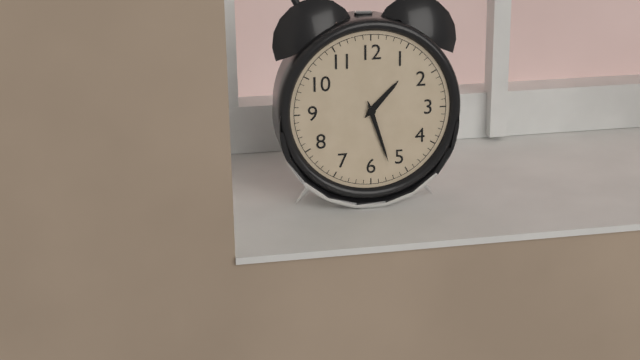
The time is 1:27
